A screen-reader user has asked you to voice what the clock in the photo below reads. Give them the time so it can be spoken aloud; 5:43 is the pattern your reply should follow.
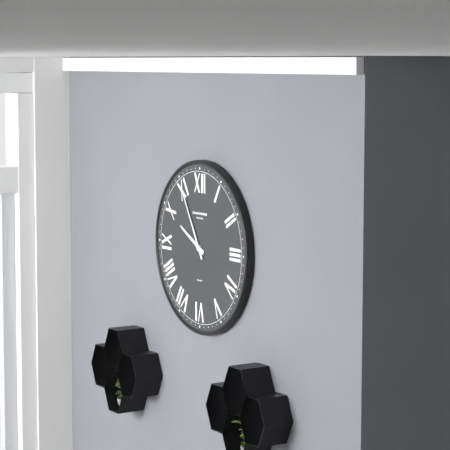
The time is 9:55
